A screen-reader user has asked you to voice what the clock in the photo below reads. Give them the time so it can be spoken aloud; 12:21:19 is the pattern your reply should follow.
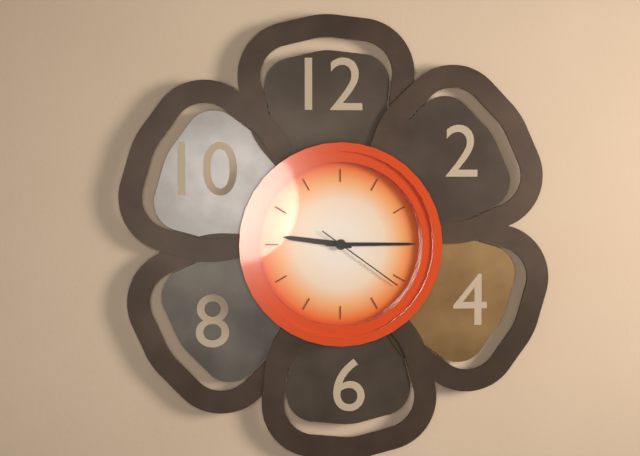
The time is 9:15:21
